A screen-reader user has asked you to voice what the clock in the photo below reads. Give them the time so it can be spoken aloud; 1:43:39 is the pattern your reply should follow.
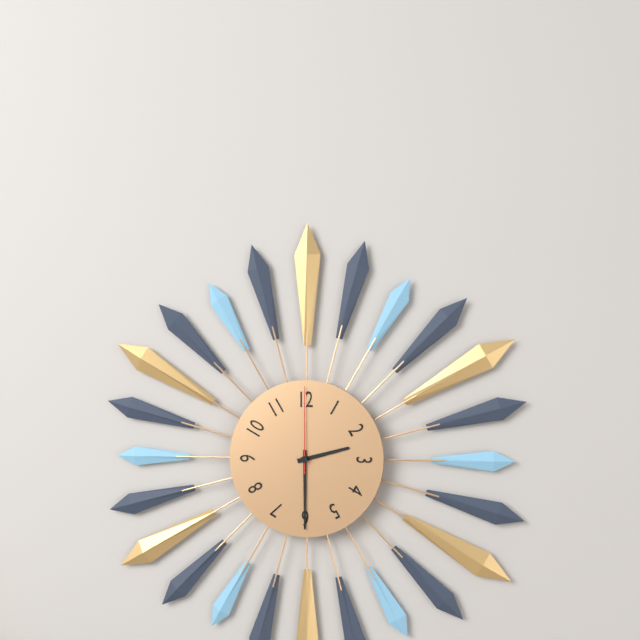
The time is 2:30:00
